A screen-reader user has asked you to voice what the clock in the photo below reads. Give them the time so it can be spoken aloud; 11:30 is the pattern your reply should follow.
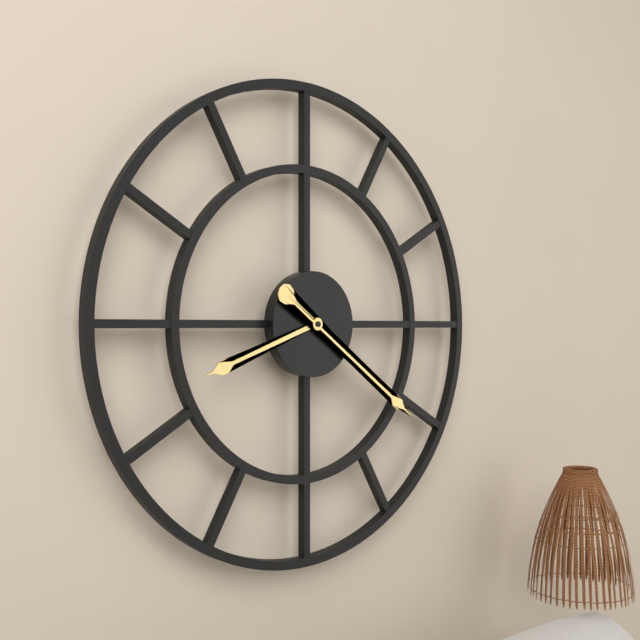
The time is 8:21
